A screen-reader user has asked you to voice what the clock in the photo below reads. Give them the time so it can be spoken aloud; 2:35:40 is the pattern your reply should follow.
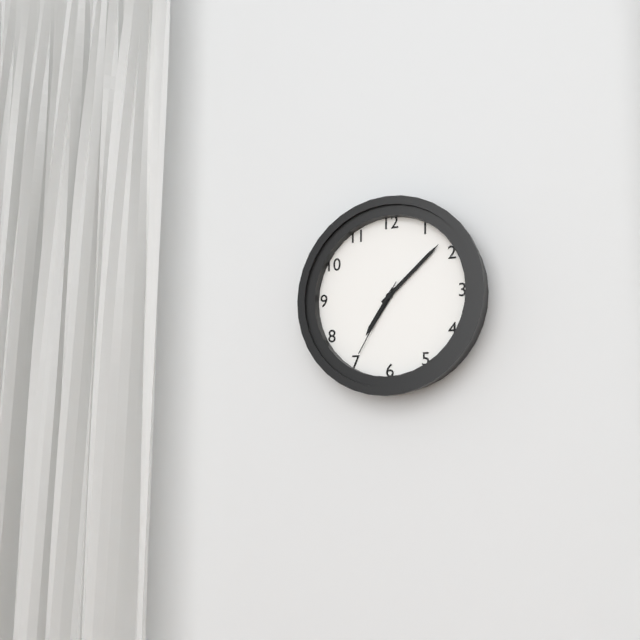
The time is 7:08:35
